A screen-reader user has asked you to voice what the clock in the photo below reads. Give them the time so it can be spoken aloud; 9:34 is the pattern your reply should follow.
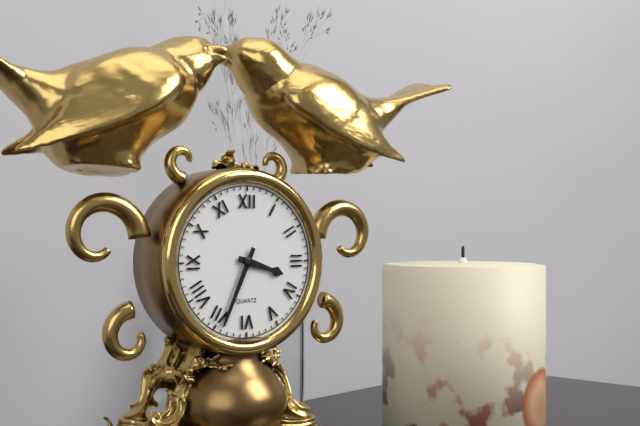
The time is 3:34
